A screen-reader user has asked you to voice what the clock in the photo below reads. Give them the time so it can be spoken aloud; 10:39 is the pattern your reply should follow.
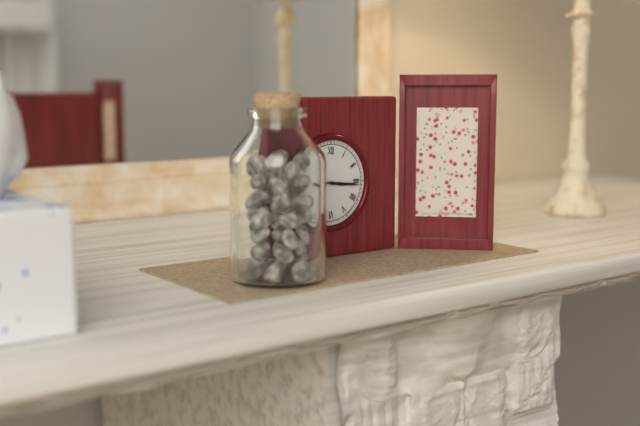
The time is 3:16
